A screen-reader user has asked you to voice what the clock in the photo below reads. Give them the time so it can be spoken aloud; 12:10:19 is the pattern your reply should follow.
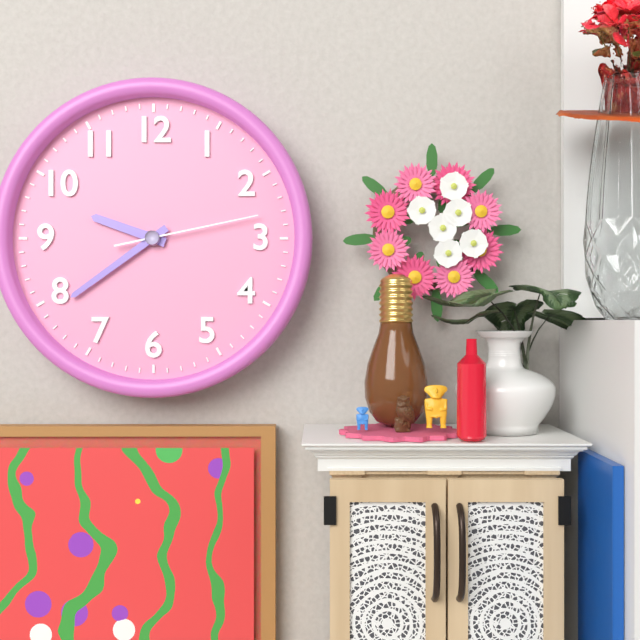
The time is 9:39:13
